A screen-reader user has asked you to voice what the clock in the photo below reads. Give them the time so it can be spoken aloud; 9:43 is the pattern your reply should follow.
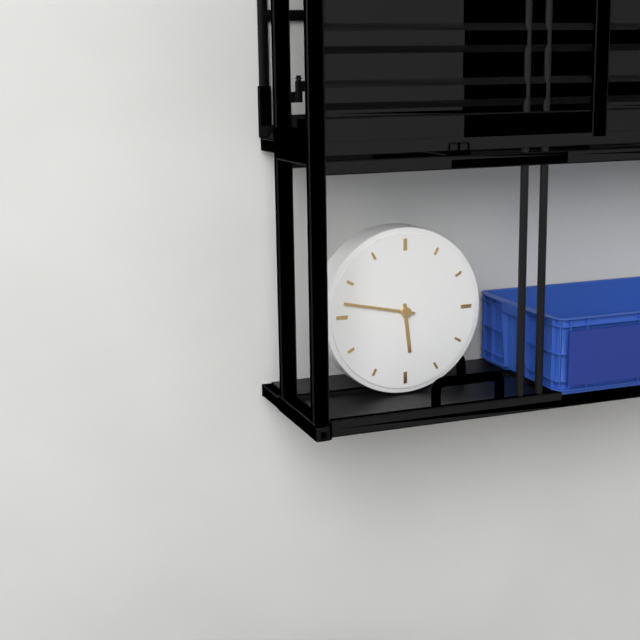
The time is 5:47
